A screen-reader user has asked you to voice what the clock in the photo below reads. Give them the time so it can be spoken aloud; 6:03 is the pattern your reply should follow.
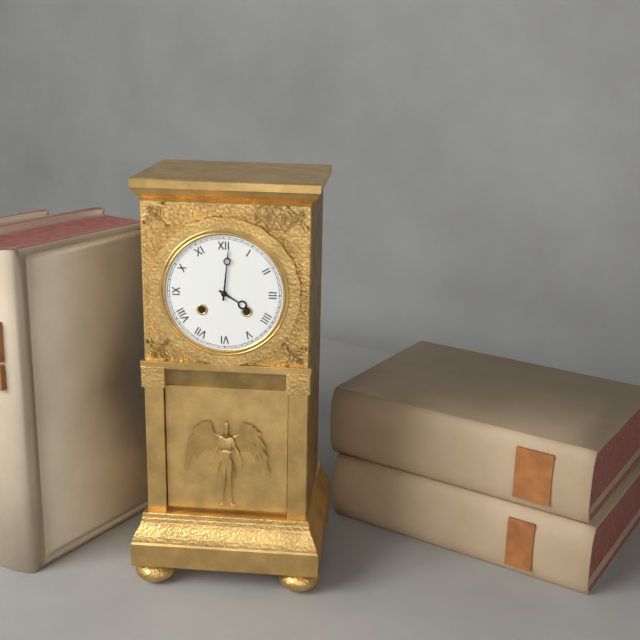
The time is 4:01
